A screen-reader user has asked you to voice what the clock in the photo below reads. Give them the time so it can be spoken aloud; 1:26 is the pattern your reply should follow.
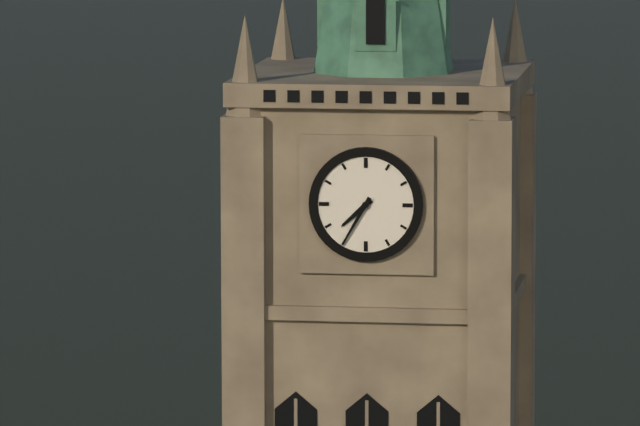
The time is 7:35
